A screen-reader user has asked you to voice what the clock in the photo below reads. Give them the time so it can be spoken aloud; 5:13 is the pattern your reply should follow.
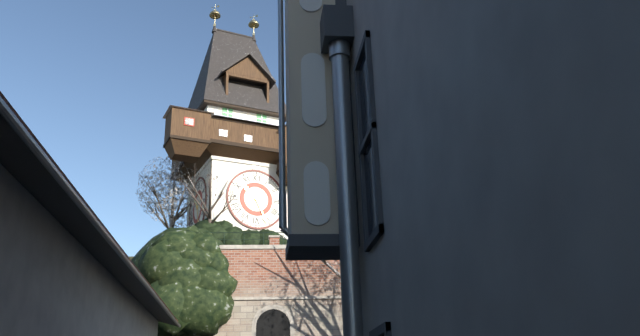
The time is 10:26
